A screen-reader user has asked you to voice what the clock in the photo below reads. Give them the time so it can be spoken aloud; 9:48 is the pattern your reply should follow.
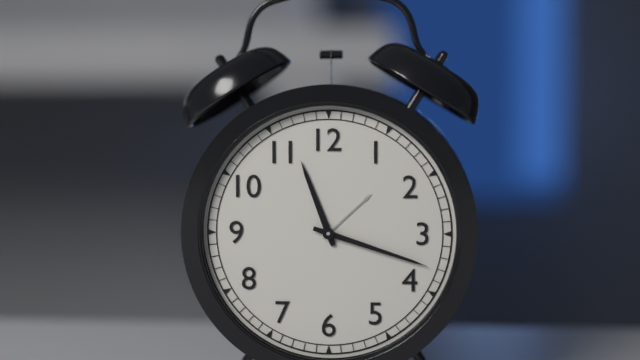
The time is 11:18
